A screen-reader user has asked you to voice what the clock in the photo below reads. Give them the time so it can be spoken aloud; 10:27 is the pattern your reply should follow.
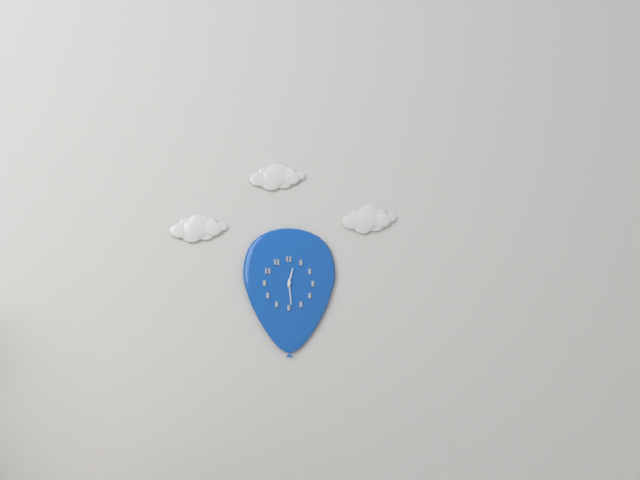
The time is 12:29
